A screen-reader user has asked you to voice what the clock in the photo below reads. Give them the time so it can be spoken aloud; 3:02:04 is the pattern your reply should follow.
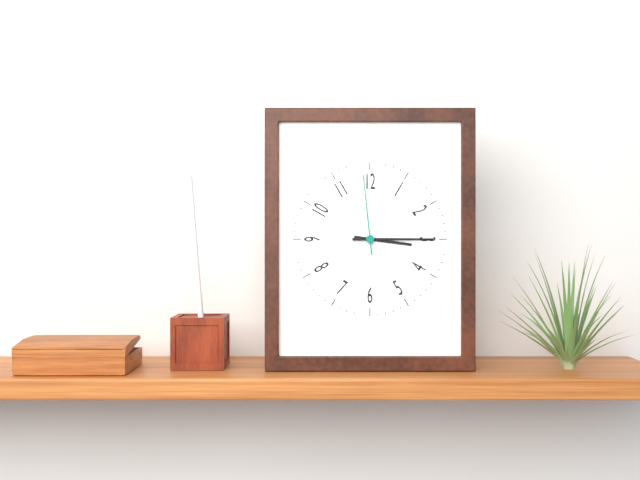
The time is 3:15:59
